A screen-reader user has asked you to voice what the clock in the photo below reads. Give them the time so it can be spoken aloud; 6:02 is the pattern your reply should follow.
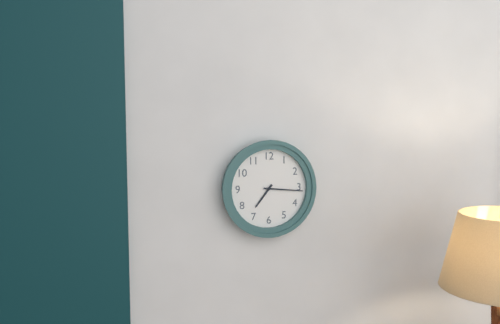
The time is 7:16
